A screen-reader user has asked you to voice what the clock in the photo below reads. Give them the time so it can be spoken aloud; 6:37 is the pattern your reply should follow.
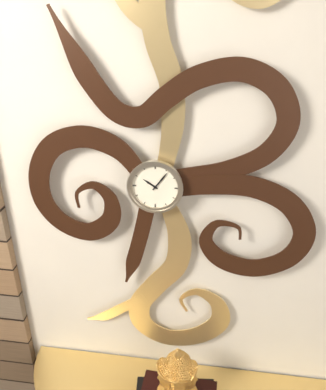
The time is 10:06
